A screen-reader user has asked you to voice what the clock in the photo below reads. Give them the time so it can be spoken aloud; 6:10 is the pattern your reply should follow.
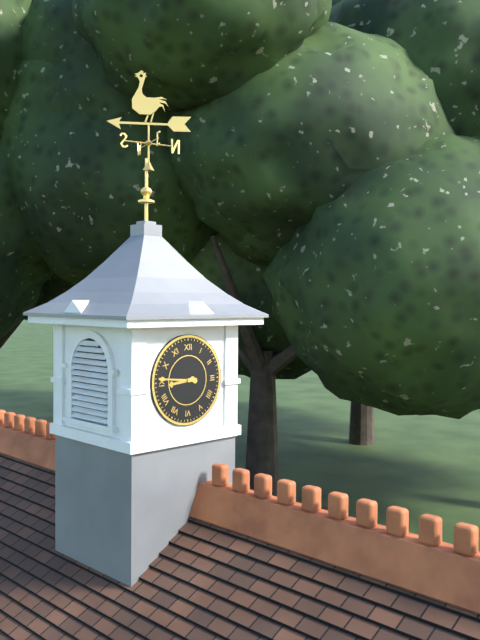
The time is 8:46
